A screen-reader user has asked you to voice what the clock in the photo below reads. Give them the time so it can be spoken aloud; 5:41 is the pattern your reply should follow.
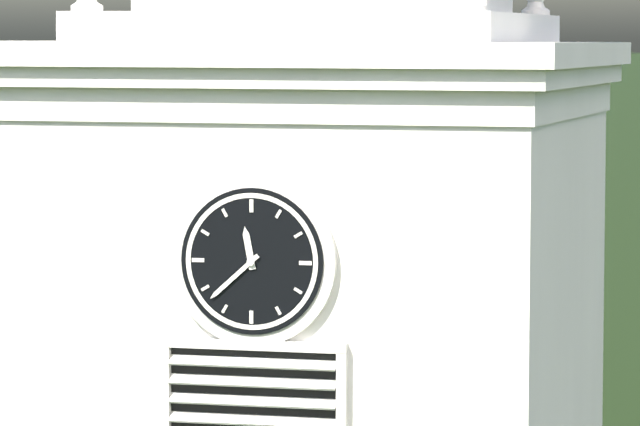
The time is 11:38
